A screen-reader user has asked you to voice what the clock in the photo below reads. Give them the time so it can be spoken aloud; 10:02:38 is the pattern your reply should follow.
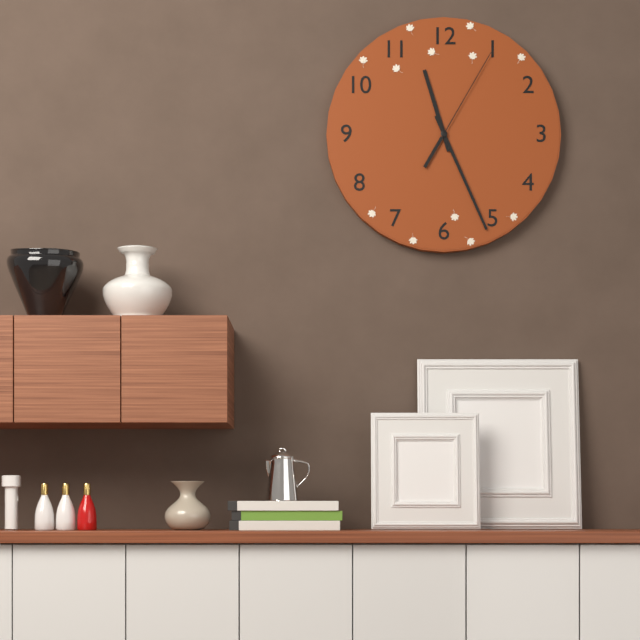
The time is 11:26:05
